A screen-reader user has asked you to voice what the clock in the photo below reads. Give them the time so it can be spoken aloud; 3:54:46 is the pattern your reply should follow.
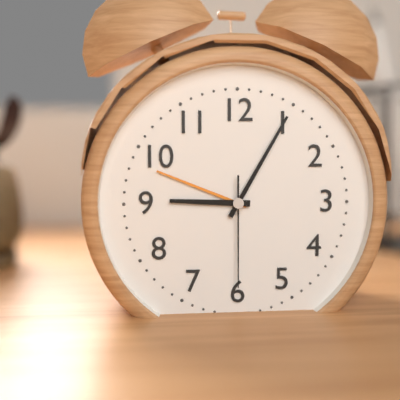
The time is 9:05:30
